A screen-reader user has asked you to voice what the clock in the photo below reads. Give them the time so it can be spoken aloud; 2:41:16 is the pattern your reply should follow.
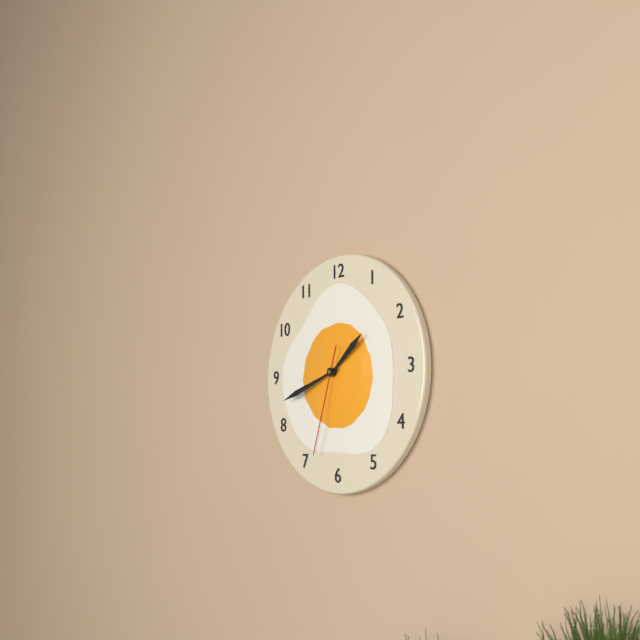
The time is 1:42:33
